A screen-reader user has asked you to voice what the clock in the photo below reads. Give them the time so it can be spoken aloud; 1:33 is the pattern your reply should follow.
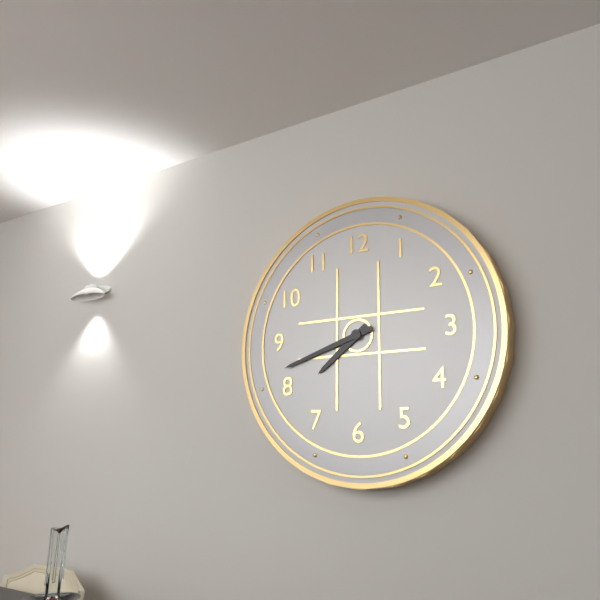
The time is 7:42
